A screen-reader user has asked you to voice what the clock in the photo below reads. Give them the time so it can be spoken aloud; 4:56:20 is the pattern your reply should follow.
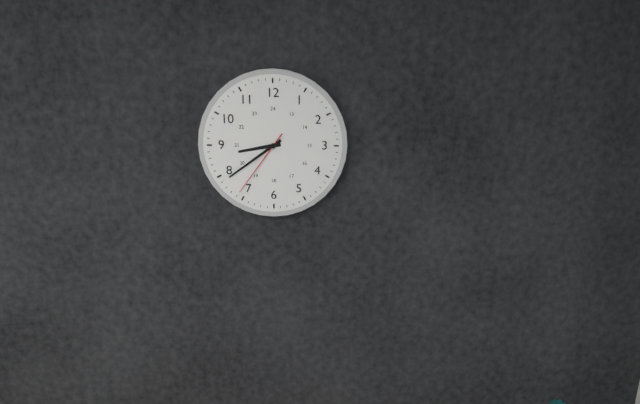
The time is 8:39:36
